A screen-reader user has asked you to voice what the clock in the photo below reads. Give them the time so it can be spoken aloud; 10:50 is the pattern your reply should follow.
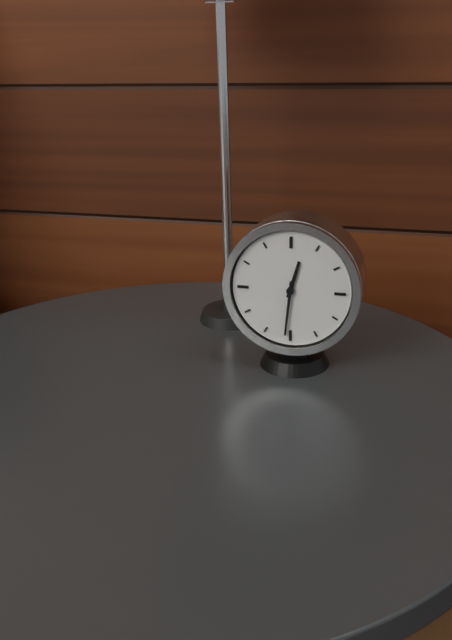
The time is 12:31
